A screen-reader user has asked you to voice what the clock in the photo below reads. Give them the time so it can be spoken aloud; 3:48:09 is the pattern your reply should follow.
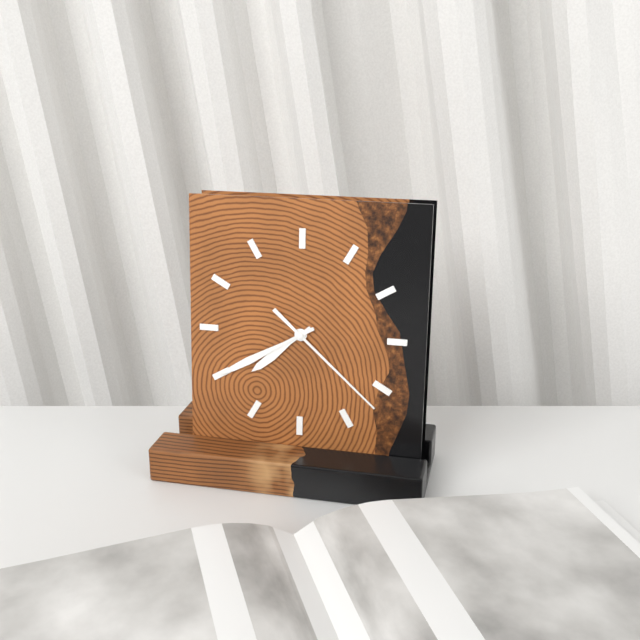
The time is 7:40:22
